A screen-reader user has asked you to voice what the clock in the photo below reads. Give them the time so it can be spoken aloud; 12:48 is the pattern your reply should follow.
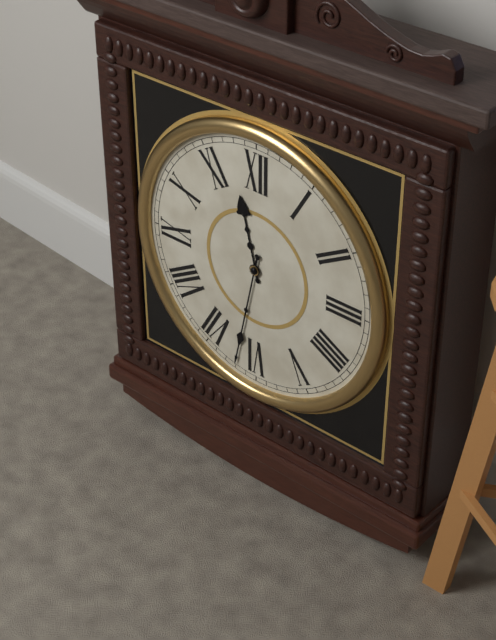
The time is 11:32
